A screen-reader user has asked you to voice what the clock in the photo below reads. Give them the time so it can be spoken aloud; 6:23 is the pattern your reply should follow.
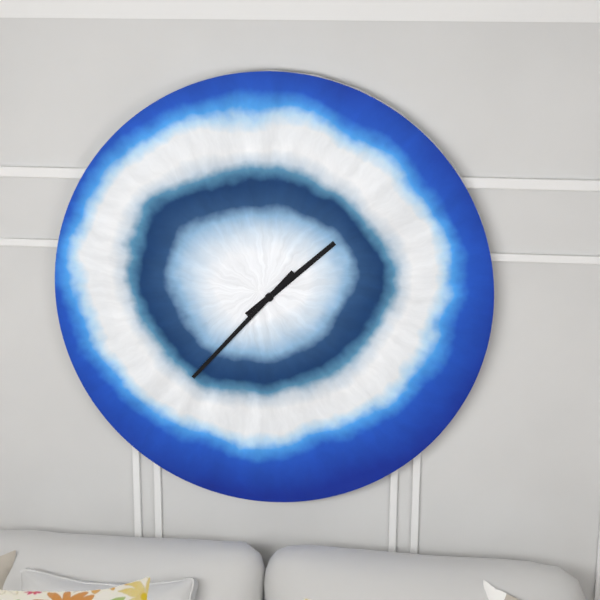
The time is 1:37
